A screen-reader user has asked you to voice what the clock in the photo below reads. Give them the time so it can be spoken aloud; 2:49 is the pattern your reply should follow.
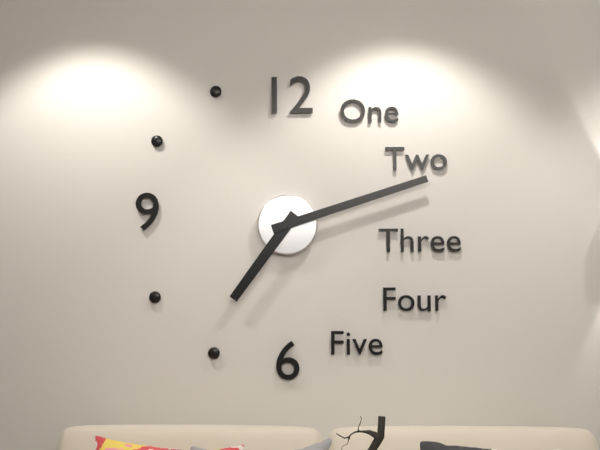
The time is 7:12
